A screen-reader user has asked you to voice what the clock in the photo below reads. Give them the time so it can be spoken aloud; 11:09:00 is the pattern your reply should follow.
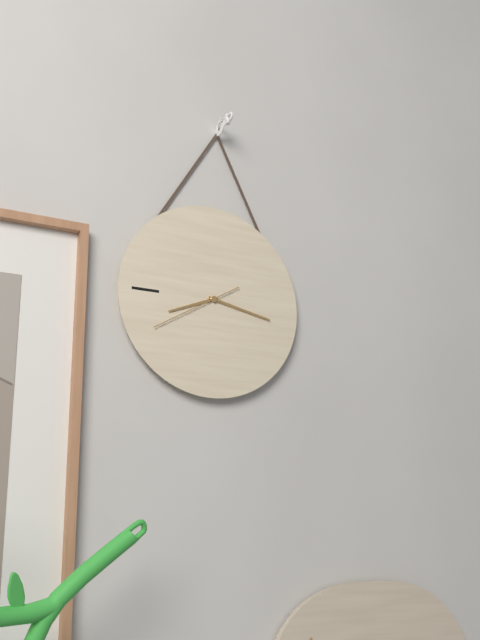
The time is 8:17:40
